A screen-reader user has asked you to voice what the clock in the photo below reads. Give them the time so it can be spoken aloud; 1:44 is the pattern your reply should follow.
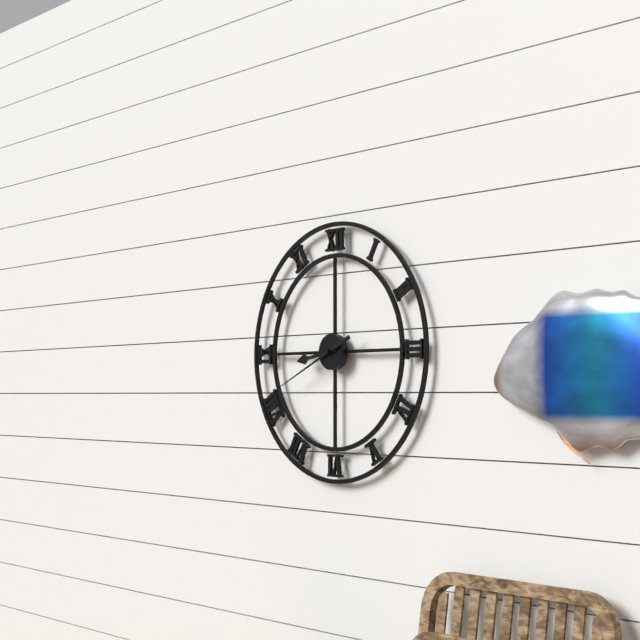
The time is 8:41
